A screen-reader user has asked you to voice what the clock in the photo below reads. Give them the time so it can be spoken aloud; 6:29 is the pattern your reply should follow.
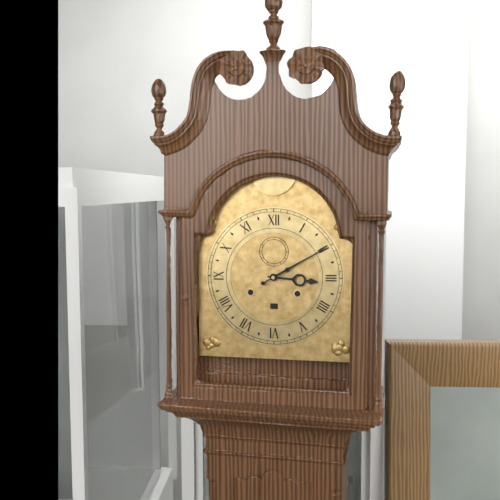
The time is 3:10
